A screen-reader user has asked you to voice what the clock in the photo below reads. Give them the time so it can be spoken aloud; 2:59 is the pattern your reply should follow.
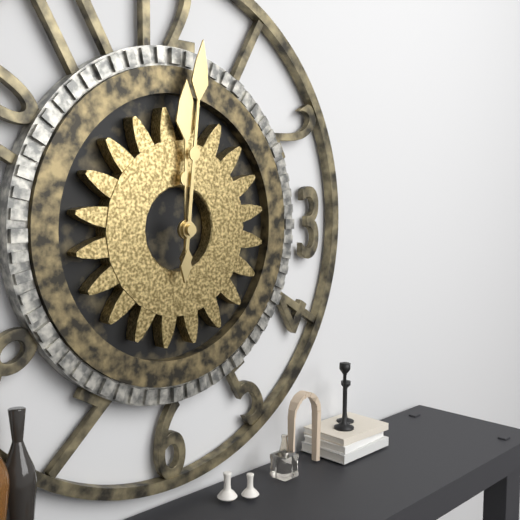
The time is 12:01
